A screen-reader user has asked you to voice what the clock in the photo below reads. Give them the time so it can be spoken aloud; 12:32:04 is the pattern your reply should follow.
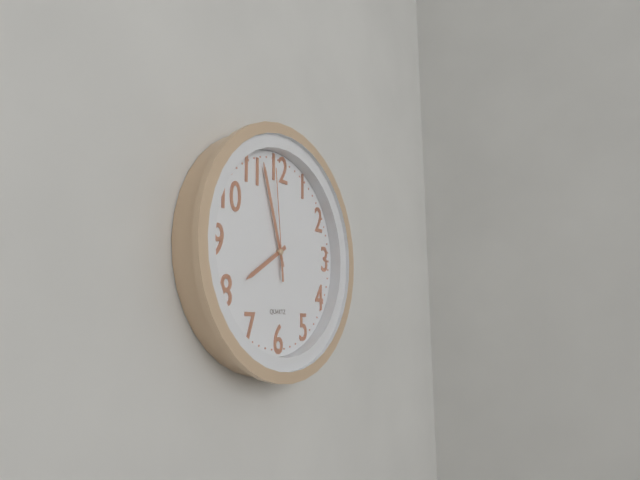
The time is 7:57:59
